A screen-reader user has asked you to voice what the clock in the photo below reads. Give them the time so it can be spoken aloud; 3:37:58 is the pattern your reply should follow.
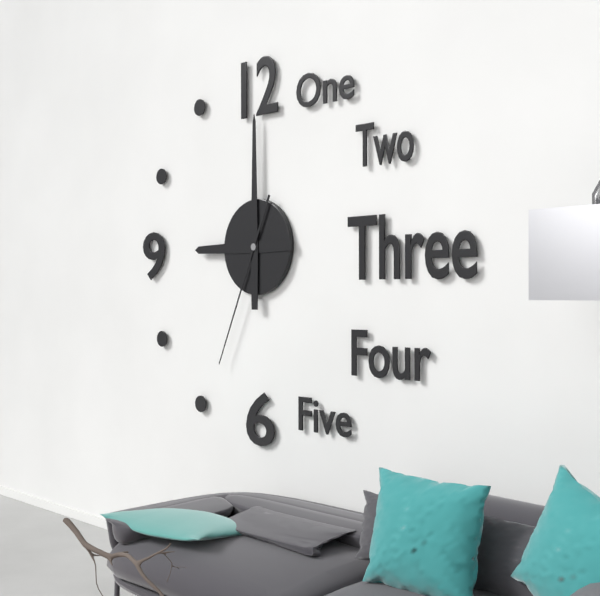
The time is 9:00:34
